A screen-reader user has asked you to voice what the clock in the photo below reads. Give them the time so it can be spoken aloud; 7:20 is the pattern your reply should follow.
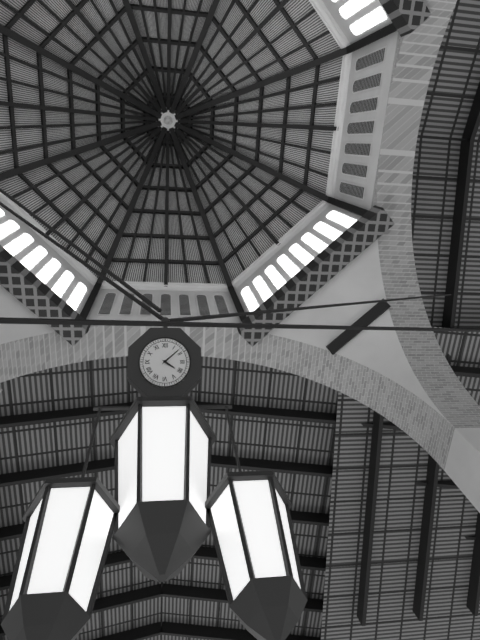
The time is 4:08
